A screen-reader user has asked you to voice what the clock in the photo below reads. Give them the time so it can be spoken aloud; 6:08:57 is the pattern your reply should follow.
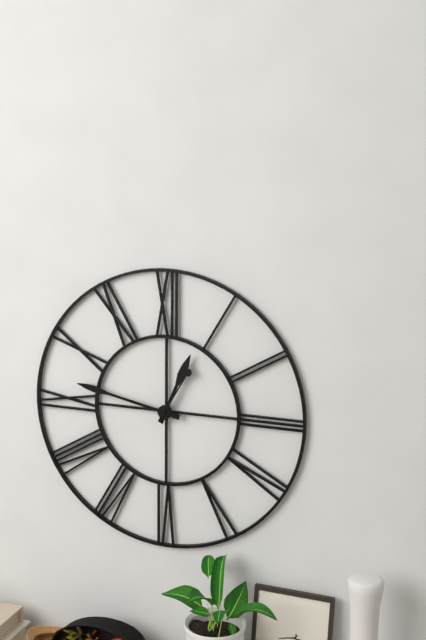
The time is 12:47:05
